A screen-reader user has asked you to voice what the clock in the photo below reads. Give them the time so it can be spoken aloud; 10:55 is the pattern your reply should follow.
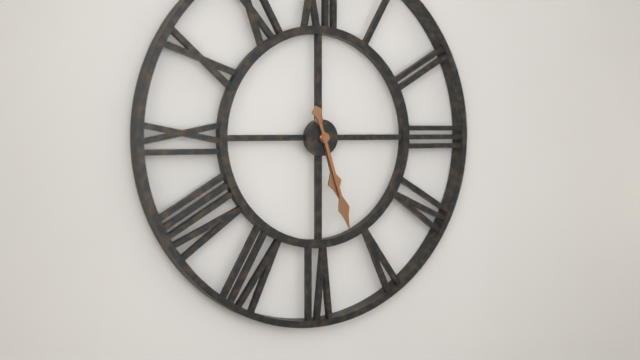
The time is 5:27
